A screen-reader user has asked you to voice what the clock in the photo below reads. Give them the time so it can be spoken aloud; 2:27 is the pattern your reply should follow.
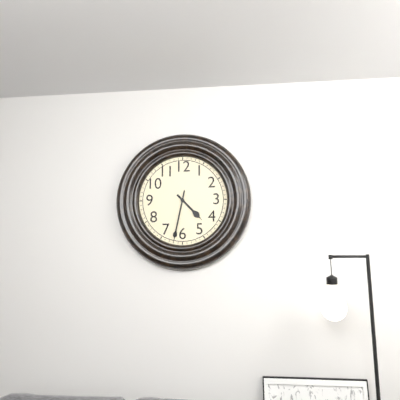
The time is 4:32
